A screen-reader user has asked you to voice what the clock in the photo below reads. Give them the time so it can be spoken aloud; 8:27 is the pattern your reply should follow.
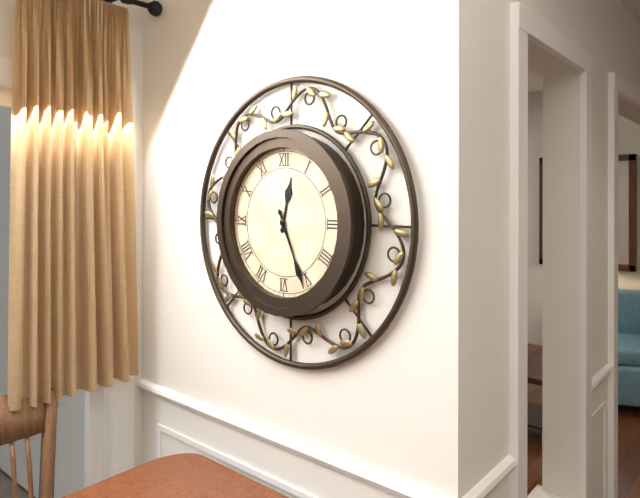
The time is 12:26
